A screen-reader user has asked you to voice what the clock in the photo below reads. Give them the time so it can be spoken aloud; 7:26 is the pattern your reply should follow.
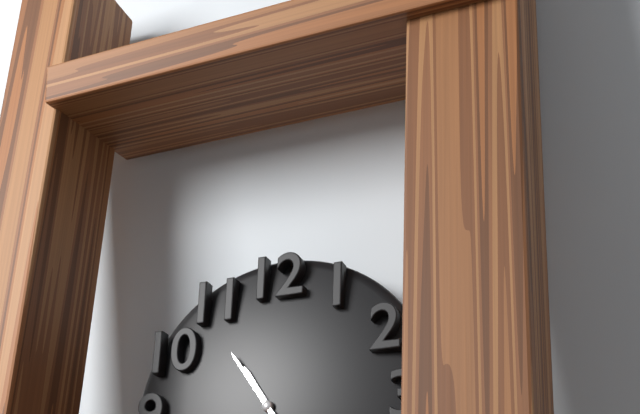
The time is 10:54
